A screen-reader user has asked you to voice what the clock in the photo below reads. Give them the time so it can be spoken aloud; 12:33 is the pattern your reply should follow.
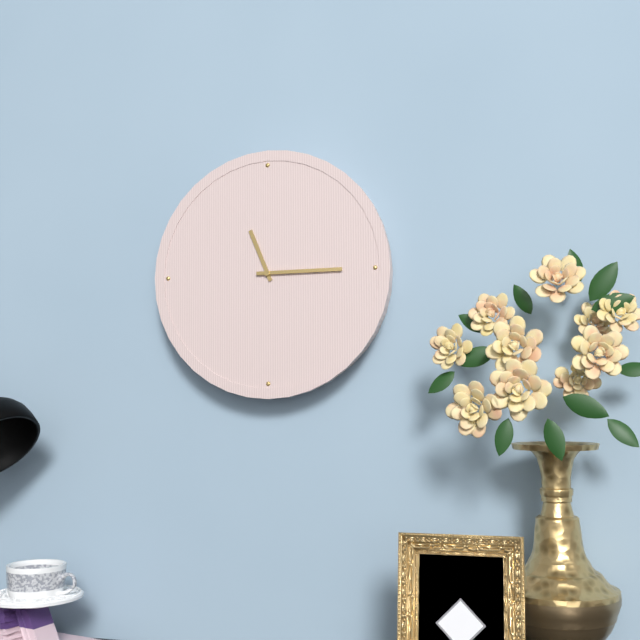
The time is 11:15
